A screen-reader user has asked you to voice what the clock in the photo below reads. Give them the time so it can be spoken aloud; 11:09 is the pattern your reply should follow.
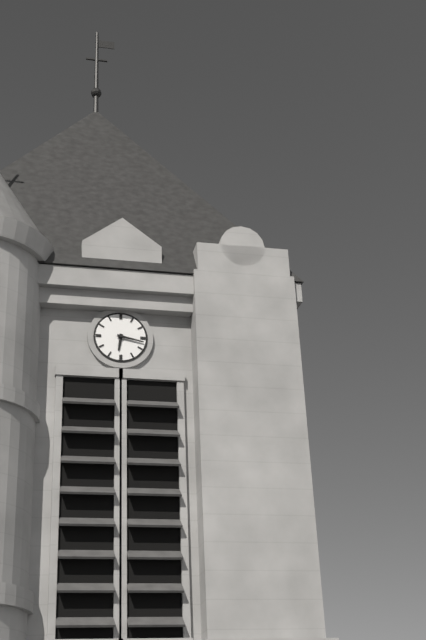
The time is 6:17
